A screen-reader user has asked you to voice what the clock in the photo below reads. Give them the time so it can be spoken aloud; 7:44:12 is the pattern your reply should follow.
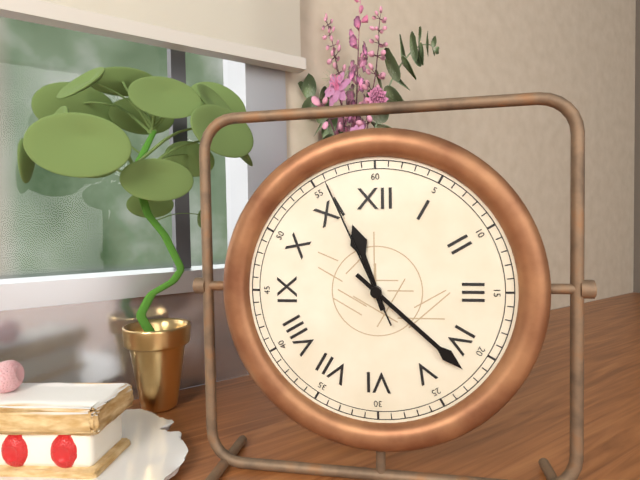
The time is 11:22:56
